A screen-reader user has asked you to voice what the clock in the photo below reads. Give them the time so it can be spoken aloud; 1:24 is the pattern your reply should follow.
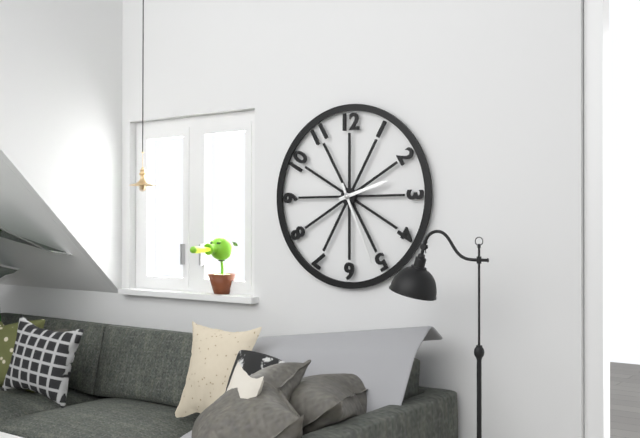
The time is 2:26
